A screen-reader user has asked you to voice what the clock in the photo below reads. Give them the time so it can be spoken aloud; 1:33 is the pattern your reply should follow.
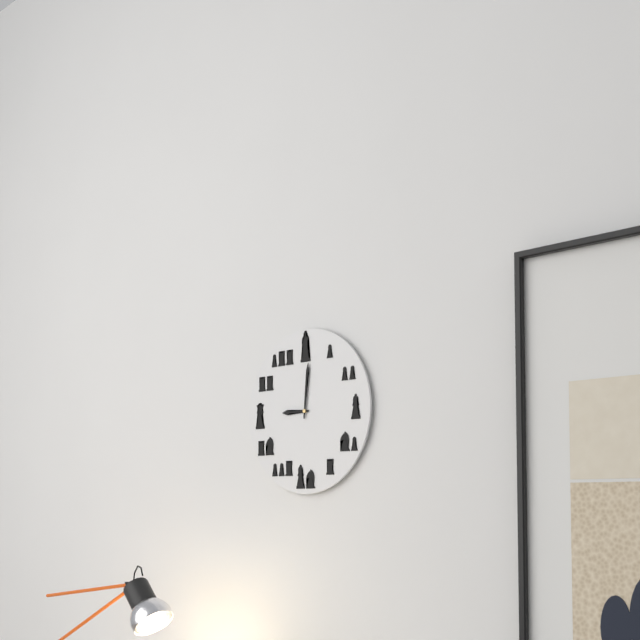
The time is 9:01
